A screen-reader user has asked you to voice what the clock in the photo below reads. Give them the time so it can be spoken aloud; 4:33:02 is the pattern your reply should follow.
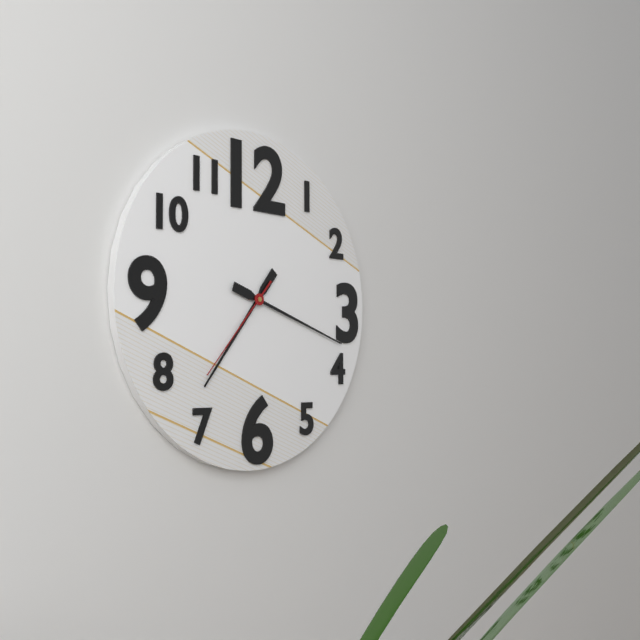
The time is 7:18:37
